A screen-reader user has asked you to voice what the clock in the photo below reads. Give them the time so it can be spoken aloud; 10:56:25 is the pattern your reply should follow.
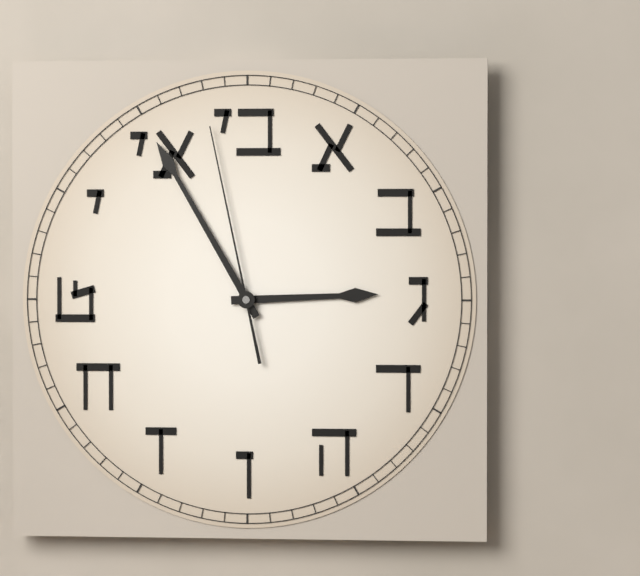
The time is 2:55:58
